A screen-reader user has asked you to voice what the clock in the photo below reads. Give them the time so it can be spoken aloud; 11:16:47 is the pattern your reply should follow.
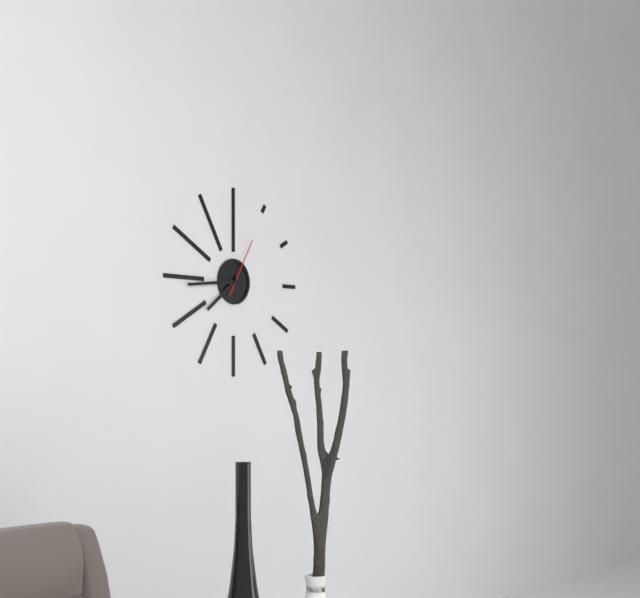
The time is 7:44:05
